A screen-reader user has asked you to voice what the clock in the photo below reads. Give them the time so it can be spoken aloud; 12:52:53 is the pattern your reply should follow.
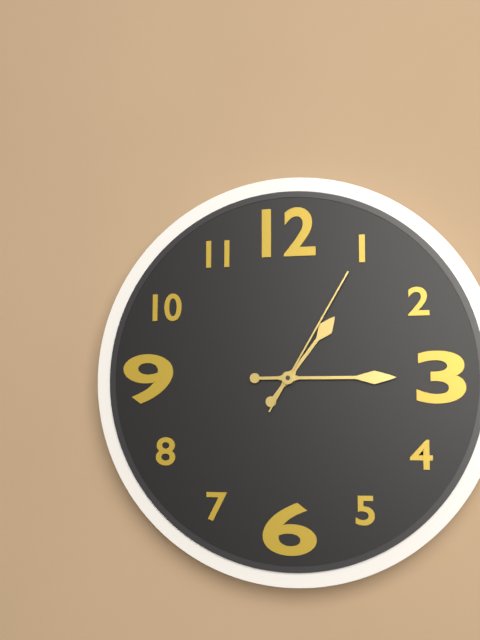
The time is 1:15:05
